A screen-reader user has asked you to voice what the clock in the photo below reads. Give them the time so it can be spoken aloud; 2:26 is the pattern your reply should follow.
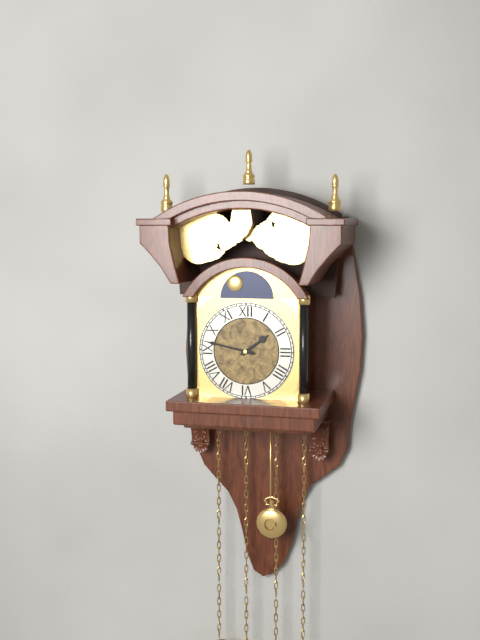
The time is 1:47
